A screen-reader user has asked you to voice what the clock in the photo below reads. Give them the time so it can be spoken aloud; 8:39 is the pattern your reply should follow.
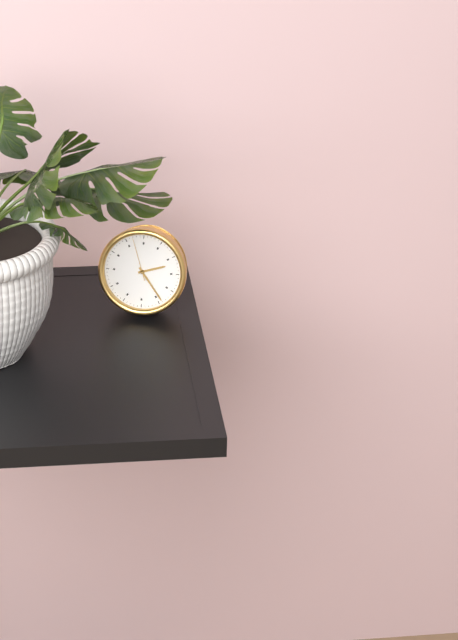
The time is 2:24
